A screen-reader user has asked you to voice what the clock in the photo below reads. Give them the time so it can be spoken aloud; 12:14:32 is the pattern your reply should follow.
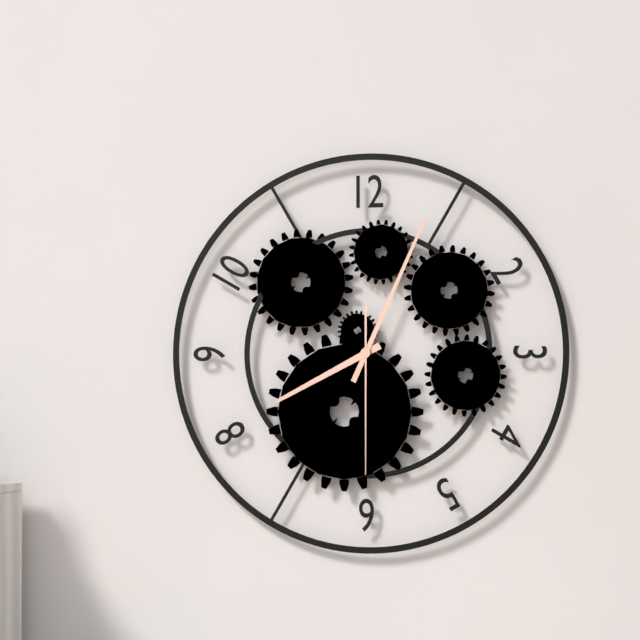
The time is 8:04:30
